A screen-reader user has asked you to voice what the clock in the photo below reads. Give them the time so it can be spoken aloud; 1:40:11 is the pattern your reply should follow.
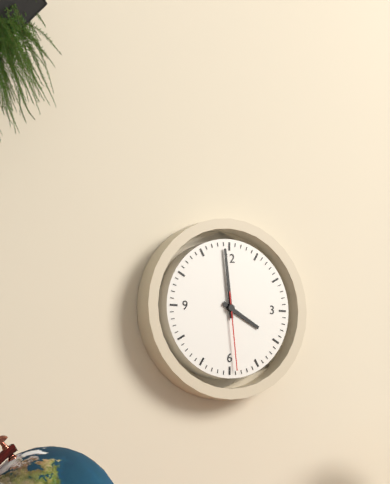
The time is 3:59:29
